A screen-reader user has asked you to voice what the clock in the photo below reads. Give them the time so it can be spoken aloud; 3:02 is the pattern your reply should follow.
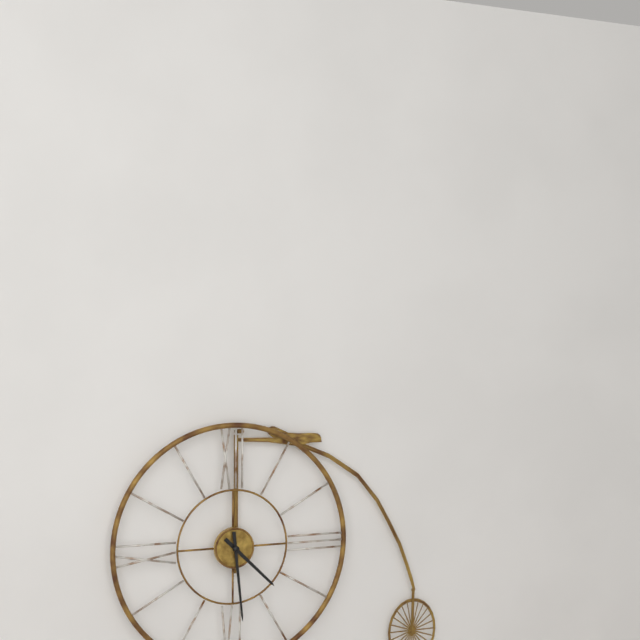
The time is 4:29
